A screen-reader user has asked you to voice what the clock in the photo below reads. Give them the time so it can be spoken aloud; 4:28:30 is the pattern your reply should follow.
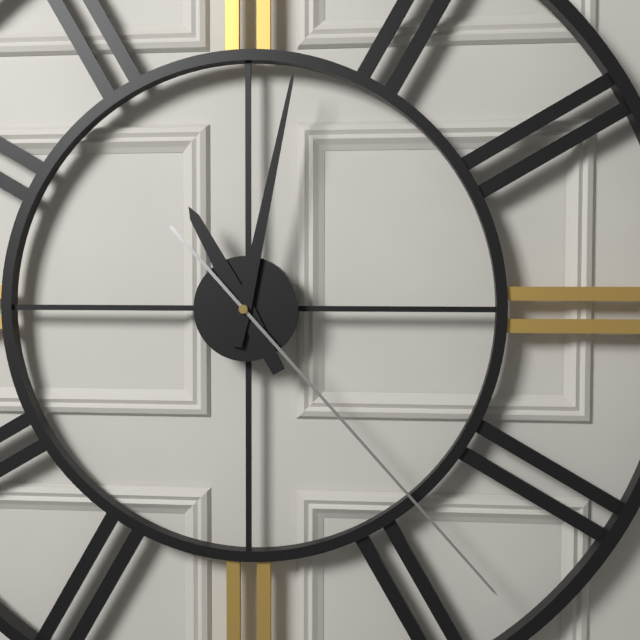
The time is 11:02:23
